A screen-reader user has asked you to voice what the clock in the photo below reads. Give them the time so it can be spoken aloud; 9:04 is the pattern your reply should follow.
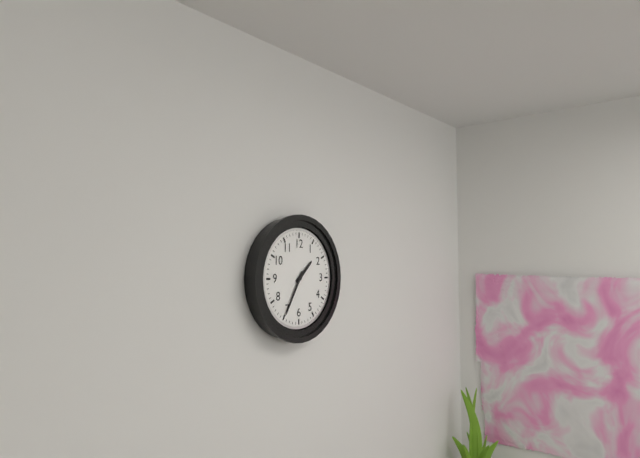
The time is 1:35
